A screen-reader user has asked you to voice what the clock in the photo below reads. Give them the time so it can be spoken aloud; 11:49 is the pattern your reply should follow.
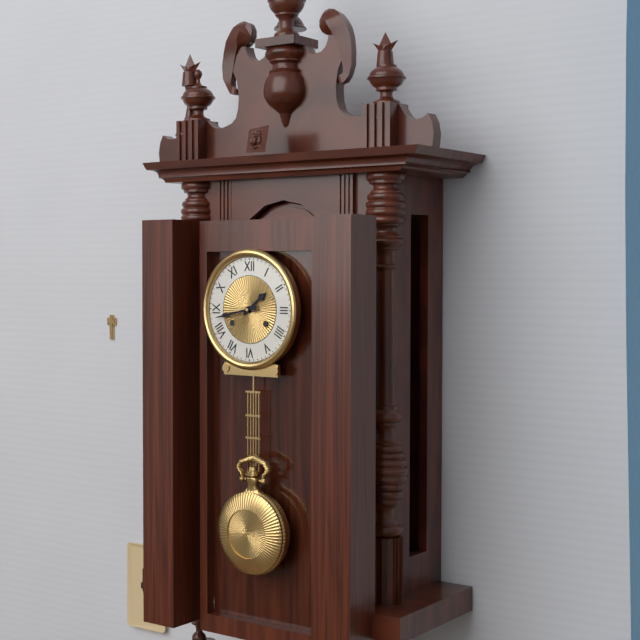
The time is 1:43
